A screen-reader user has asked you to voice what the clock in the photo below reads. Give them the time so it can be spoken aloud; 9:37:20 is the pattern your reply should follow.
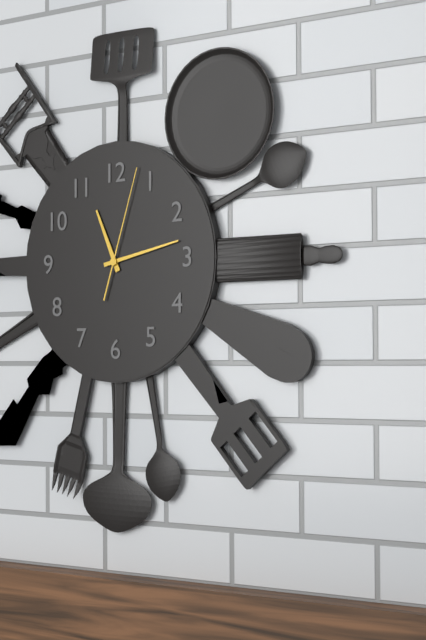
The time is 11:13:03
